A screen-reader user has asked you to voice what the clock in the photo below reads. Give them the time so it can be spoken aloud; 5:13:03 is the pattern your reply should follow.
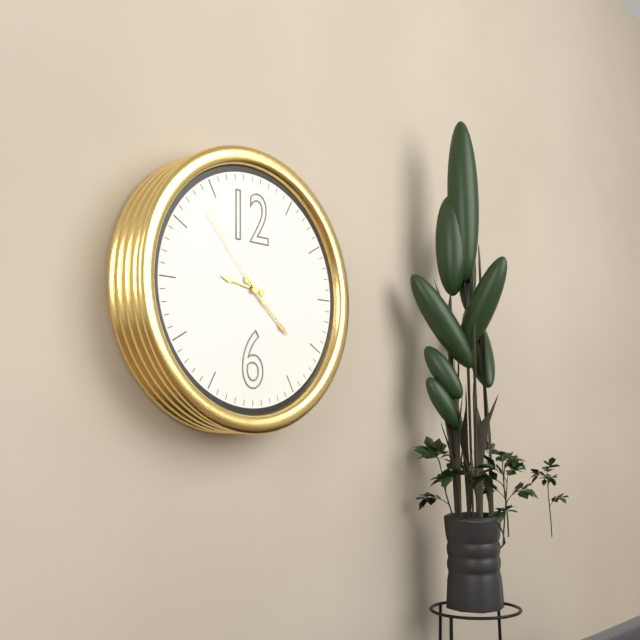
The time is 9:22:53
